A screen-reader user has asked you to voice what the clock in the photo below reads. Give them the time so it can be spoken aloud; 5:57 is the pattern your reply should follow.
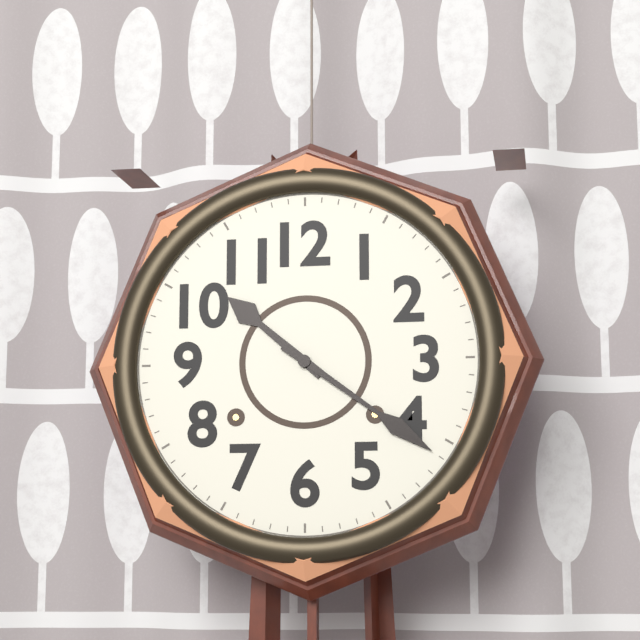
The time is 10:21
